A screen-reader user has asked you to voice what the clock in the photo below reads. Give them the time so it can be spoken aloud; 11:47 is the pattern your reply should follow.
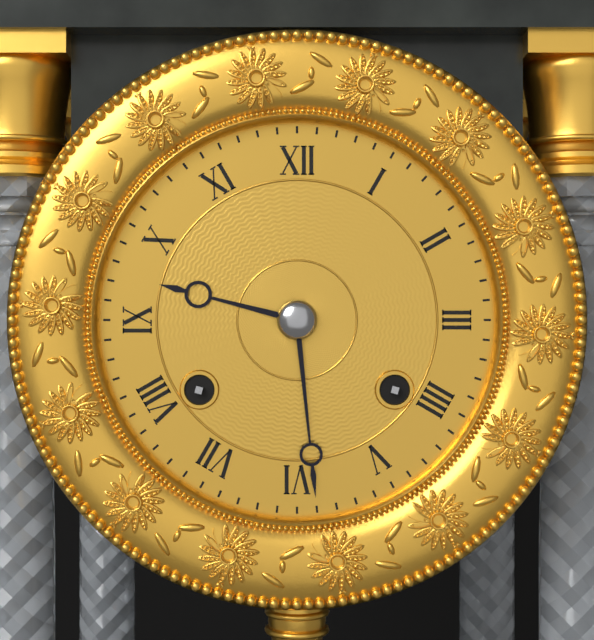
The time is 9:29
